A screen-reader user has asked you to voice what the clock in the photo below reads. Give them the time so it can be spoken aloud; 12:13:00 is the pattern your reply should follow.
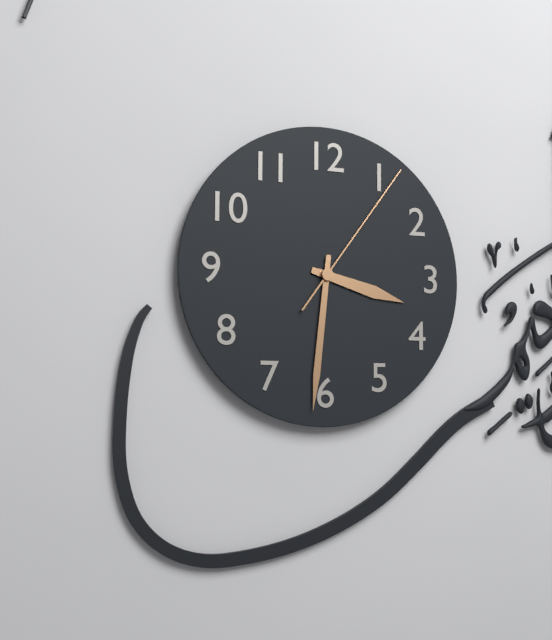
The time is 3:31:06
